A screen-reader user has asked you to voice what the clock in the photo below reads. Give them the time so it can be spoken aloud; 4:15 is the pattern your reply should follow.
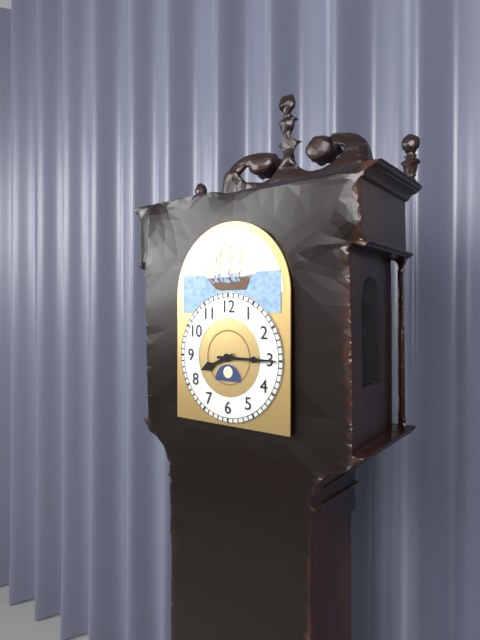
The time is 8:15
